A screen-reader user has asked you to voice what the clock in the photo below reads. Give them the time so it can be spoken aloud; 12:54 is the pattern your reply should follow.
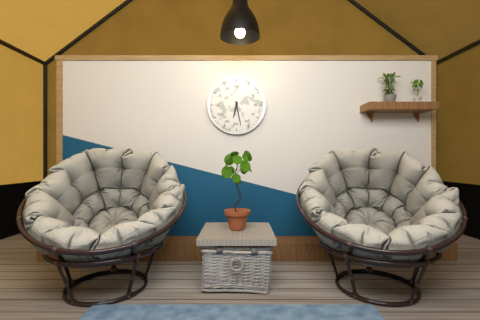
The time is 6:28
